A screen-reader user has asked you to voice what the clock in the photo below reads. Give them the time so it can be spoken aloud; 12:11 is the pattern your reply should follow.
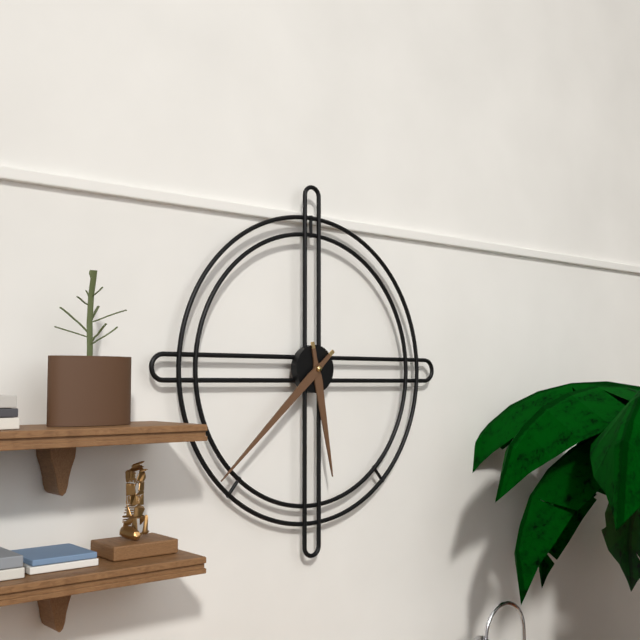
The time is 5:38
